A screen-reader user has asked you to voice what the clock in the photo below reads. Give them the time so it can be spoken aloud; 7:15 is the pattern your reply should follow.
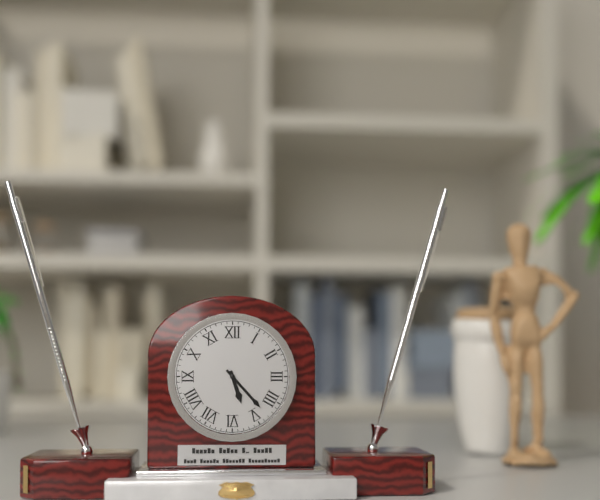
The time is 5:23
